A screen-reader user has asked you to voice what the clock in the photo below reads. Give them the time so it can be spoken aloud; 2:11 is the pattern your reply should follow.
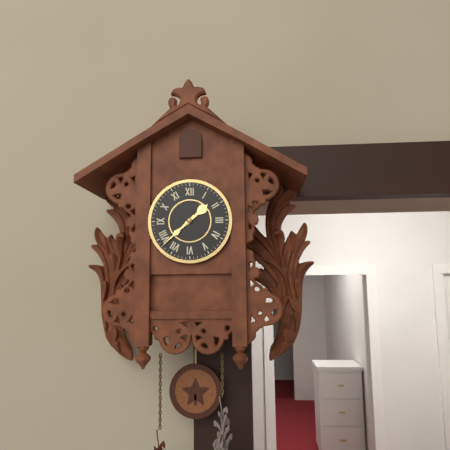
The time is 1:38
